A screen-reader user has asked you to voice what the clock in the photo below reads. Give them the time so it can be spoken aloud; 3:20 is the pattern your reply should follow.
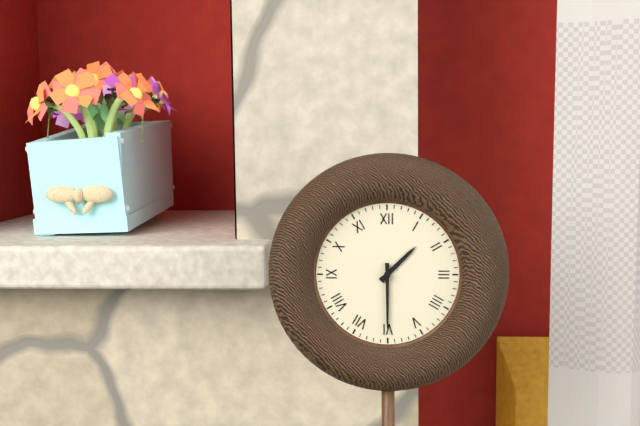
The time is 1:30
